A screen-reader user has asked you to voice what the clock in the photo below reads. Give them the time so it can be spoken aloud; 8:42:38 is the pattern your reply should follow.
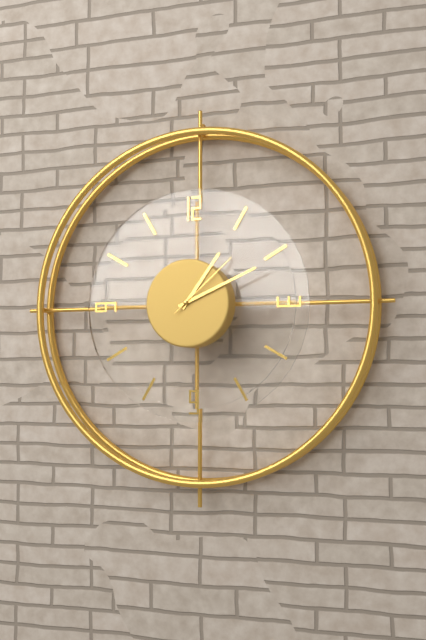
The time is 1:11:08
